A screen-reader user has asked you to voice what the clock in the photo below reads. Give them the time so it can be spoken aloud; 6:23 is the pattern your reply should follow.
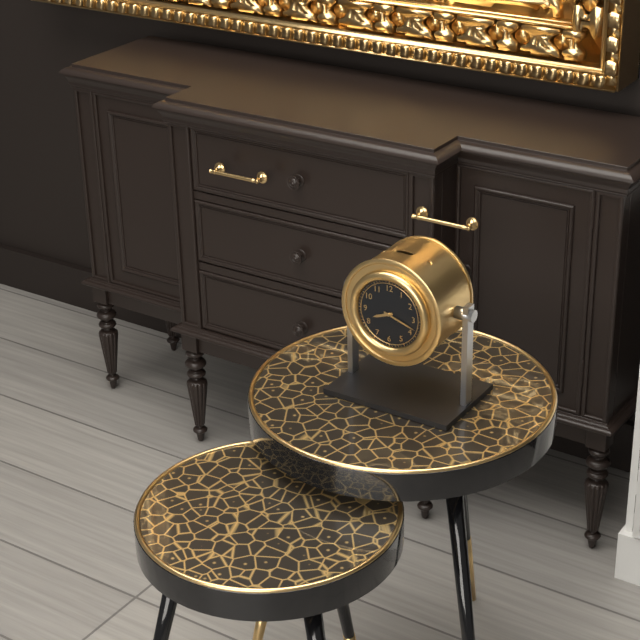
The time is 8:18
